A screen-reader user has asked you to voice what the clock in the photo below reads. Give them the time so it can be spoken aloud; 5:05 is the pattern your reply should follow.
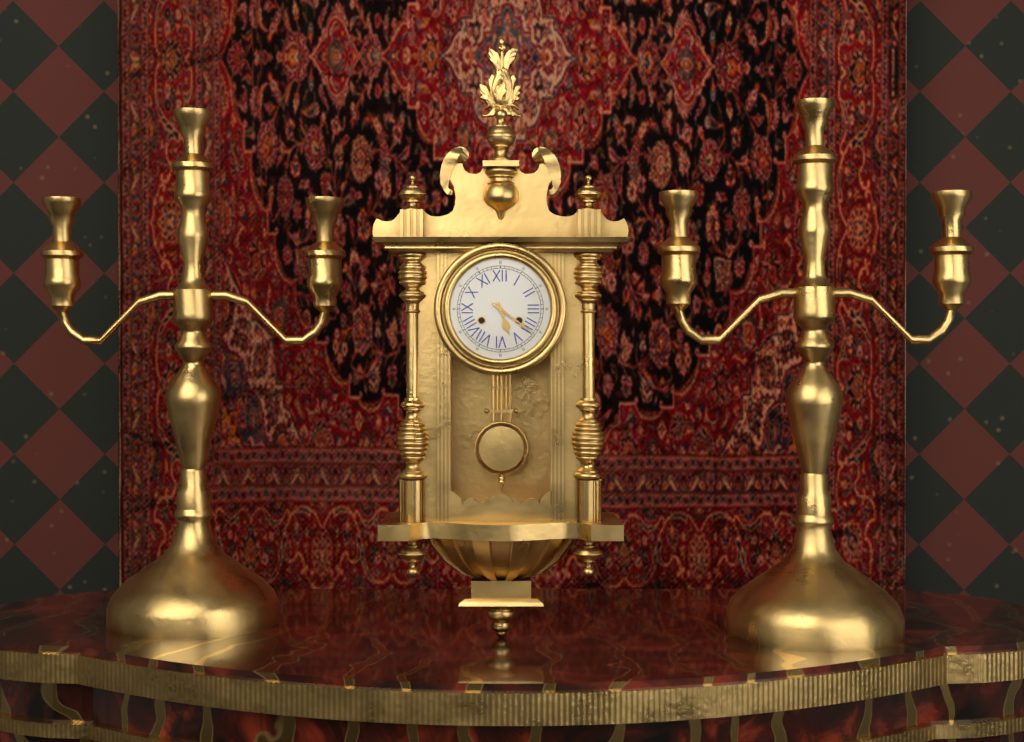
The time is 5:21
